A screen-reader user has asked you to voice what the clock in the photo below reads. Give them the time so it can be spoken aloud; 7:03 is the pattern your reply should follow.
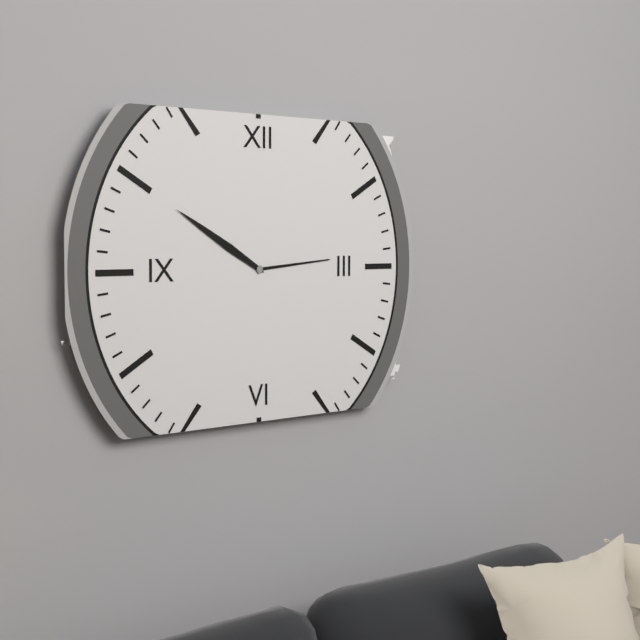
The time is 2:50
